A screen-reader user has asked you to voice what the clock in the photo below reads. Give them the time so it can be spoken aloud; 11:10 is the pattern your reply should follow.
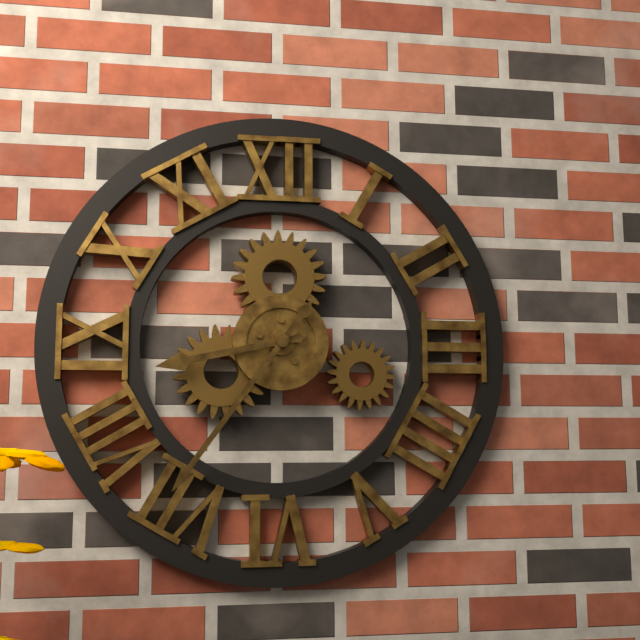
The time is 8:36
